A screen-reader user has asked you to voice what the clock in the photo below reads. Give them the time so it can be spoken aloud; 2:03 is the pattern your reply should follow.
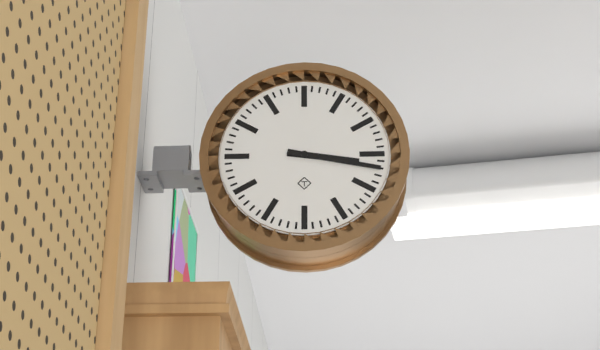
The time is 3:17
